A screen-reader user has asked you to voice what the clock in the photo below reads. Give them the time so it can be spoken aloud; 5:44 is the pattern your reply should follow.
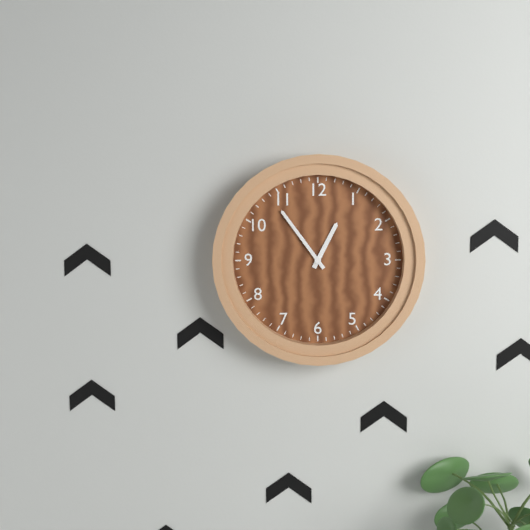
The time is 12:54
